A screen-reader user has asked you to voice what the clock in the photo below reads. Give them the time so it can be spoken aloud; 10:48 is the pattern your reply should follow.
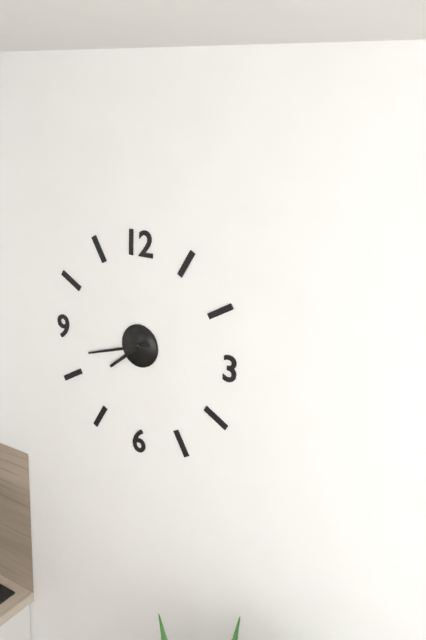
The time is 7:42
